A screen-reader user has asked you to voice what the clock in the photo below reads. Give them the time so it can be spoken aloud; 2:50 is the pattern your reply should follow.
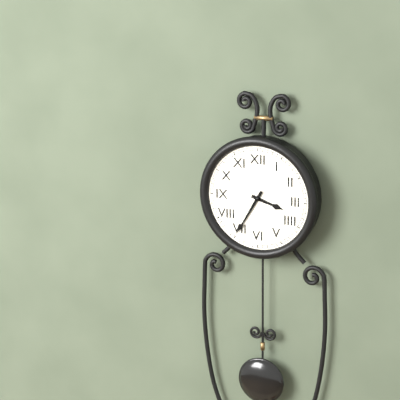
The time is 3:35
